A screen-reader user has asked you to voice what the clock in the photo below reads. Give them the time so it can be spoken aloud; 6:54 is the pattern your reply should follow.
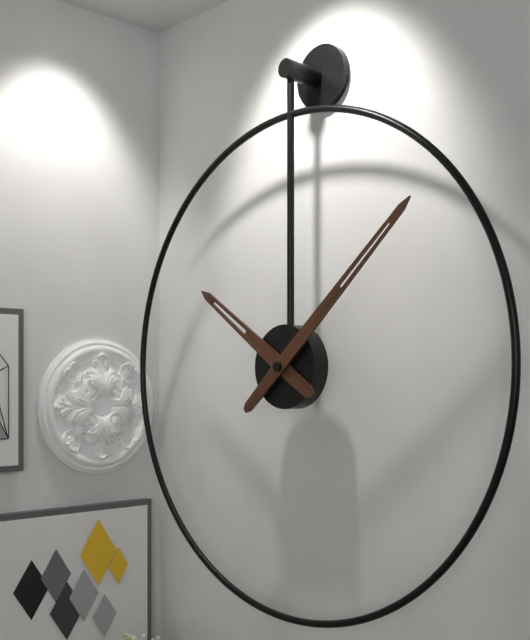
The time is 10:08
